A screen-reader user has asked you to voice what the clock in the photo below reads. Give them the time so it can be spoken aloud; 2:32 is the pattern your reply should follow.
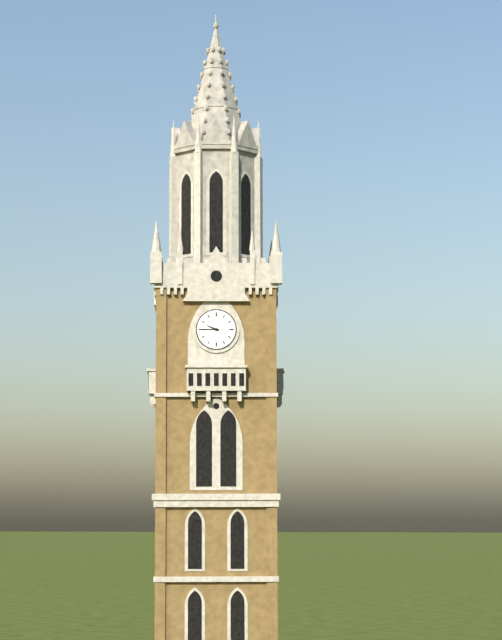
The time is 9:45
